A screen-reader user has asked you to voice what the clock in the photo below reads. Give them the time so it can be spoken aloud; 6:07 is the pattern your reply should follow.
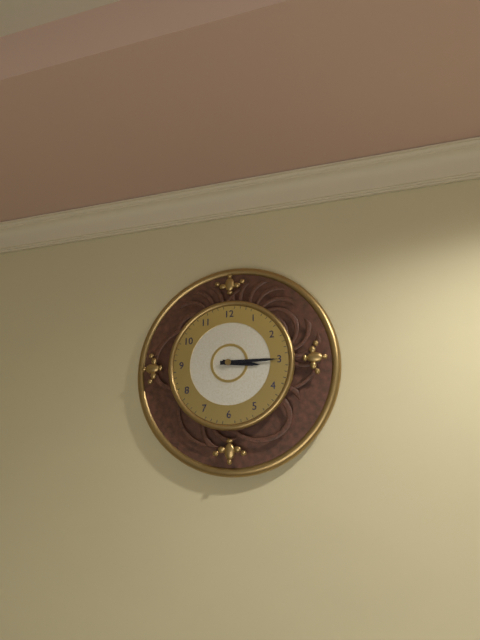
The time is 3:15
